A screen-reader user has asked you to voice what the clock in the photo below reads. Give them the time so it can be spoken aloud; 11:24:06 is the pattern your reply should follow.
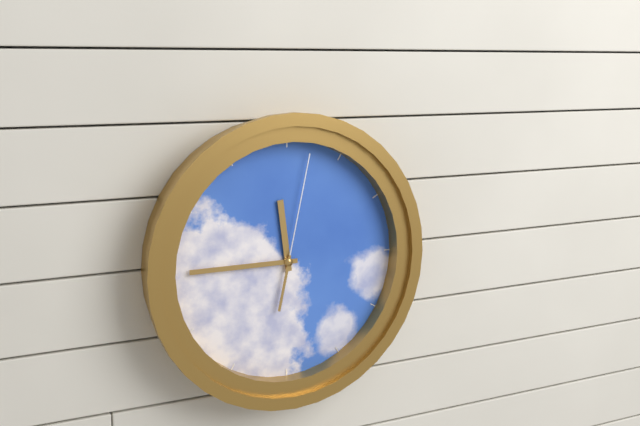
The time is 11:45:02
